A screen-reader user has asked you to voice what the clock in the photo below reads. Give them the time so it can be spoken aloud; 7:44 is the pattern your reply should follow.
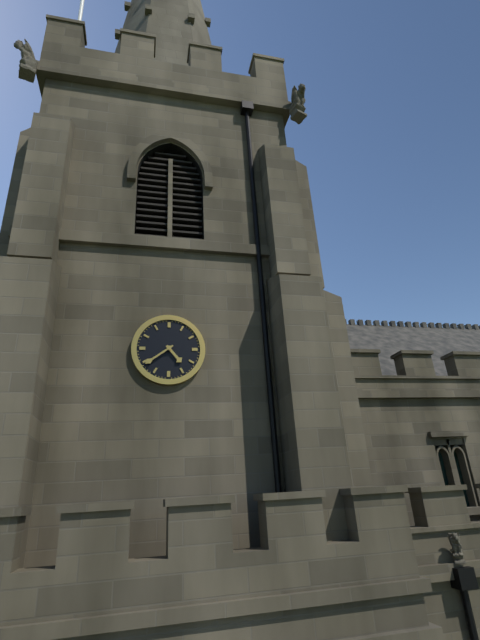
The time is 4:39
